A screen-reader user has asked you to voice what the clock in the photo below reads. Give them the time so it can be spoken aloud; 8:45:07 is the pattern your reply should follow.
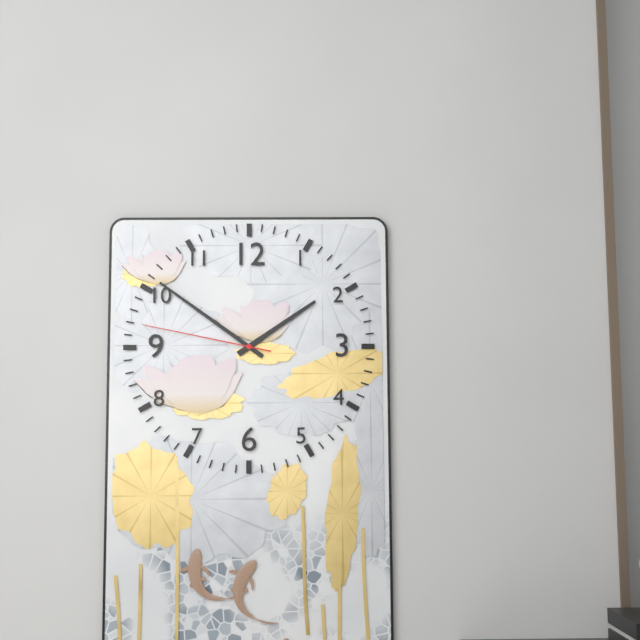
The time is 1:51:47
